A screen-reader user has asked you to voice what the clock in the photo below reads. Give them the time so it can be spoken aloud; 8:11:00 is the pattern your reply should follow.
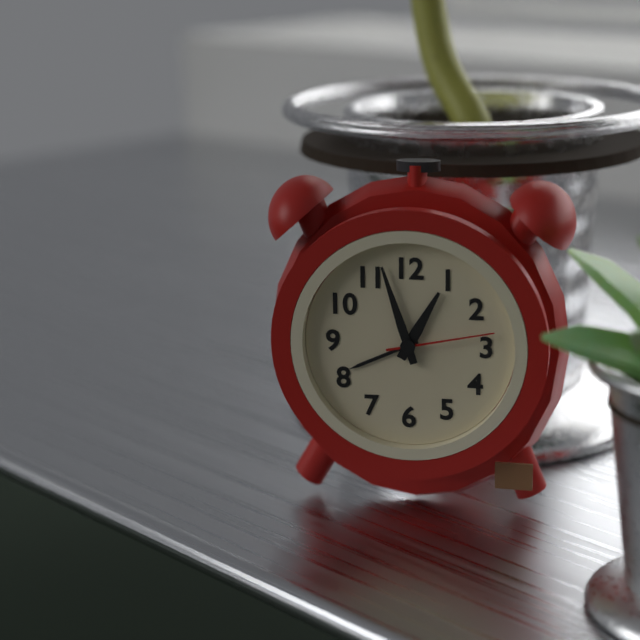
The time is 12:57:13
